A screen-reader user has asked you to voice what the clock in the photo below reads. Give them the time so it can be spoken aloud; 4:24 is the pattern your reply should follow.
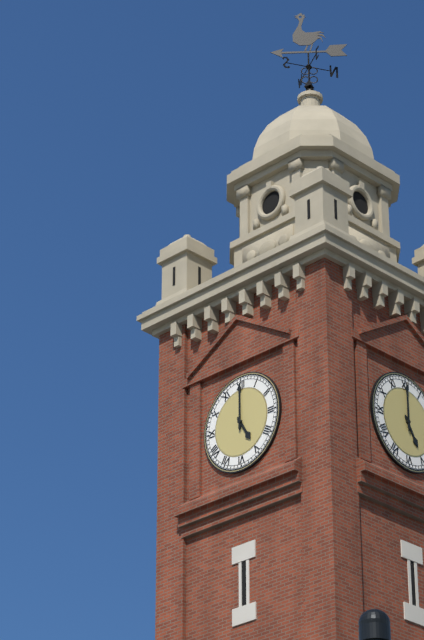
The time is 5:00
